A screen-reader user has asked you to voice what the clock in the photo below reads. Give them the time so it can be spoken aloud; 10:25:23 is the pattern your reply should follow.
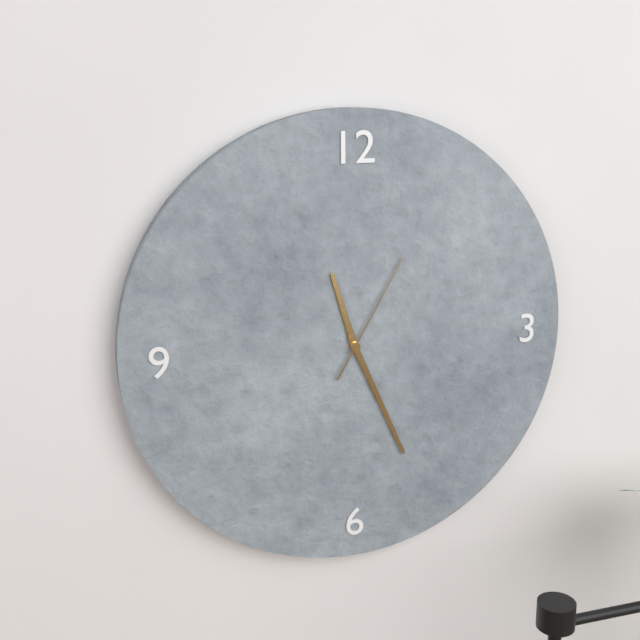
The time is 11:26:05
